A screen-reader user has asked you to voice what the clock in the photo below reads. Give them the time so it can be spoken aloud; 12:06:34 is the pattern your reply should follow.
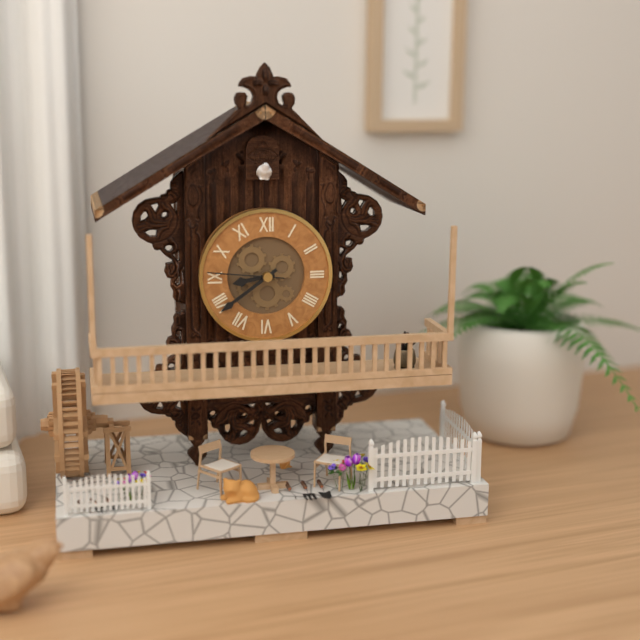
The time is 8:39:46
